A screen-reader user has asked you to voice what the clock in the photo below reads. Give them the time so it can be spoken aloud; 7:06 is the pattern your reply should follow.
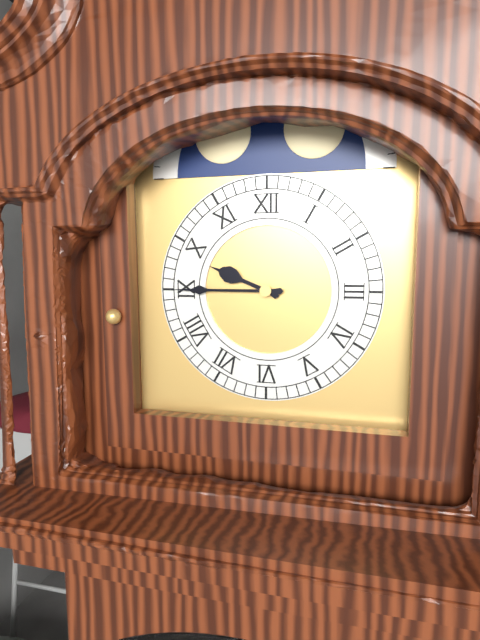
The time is 9:45
